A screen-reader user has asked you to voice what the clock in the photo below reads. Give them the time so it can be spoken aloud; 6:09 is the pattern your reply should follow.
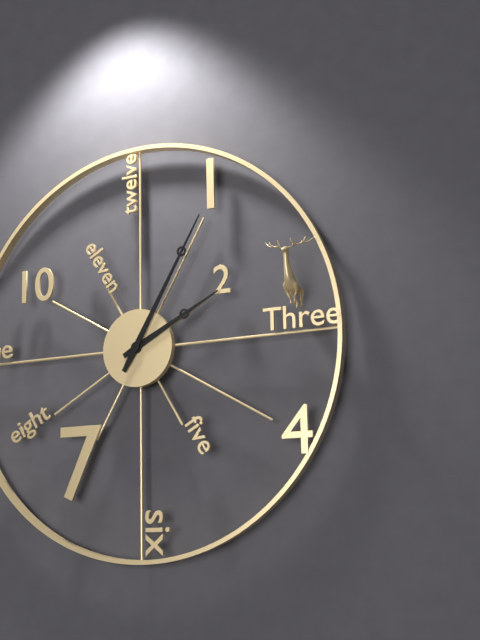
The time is 2:05
